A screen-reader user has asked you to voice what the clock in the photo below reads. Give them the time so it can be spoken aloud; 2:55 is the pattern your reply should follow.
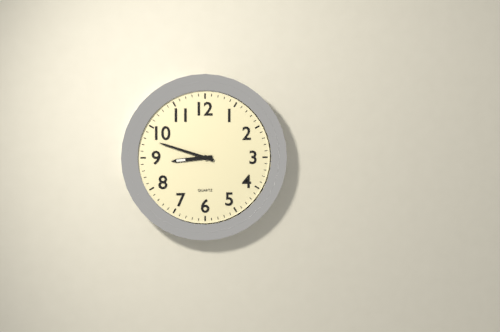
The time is 8:48
